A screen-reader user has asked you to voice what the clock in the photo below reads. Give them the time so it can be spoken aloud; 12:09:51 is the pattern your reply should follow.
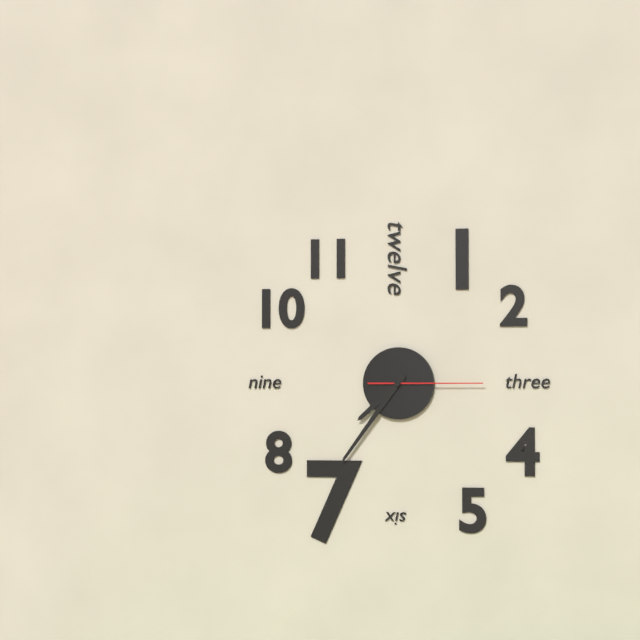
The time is 7:36:15
